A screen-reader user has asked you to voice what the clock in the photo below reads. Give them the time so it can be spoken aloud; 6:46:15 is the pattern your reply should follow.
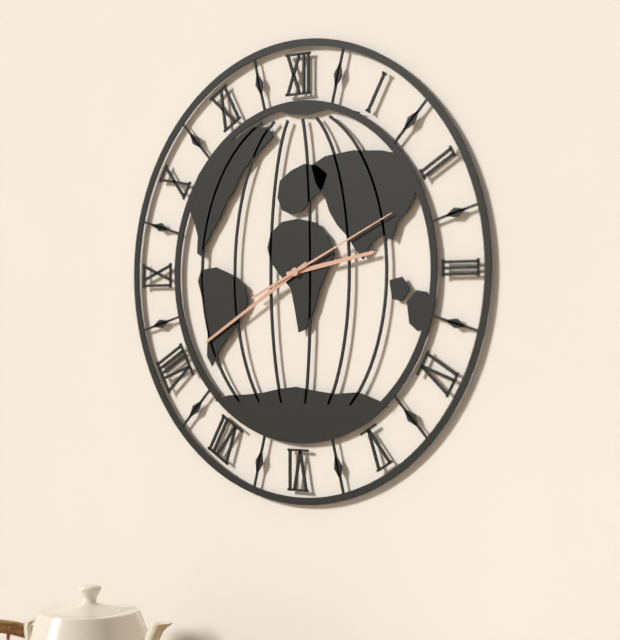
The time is 2:40:11
